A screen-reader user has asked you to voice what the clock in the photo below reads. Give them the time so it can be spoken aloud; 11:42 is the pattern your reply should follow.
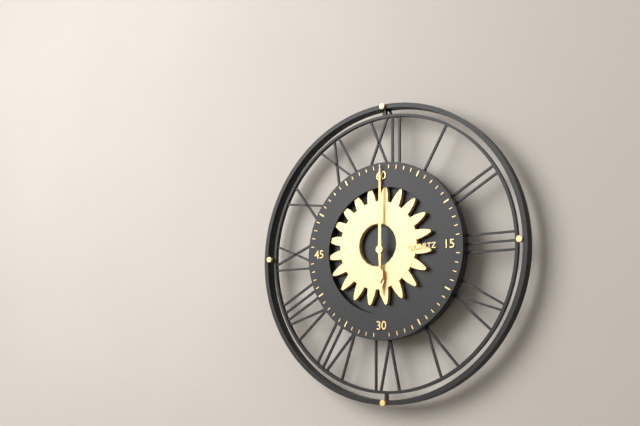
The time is 6:00
